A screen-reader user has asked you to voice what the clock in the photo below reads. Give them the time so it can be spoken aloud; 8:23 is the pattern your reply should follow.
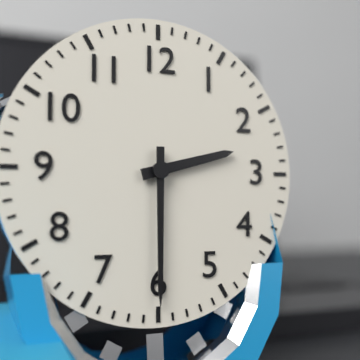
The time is 2:30
